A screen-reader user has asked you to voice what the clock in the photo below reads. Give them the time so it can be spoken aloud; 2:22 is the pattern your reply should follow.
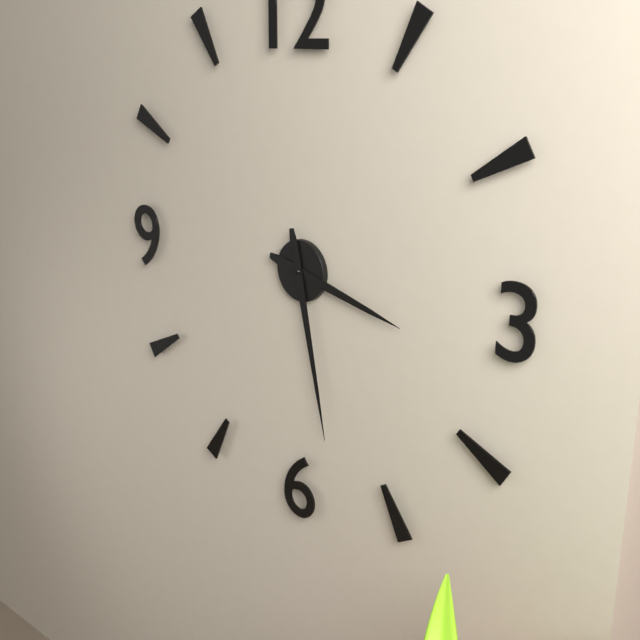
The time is 3:28
